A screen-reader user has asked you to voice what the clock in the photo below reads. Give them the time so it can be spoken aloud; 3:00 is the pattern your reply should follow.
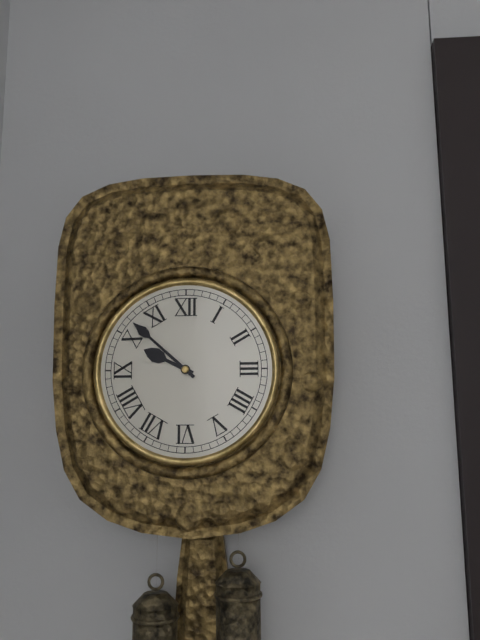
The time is 9:52
